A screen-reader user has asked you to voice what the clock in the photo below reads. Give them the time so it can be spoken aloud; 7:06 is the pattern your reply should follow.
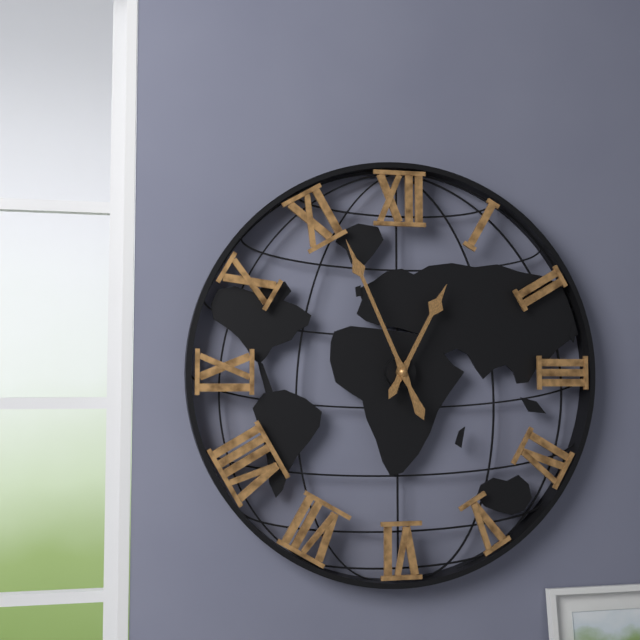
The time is 12:56
